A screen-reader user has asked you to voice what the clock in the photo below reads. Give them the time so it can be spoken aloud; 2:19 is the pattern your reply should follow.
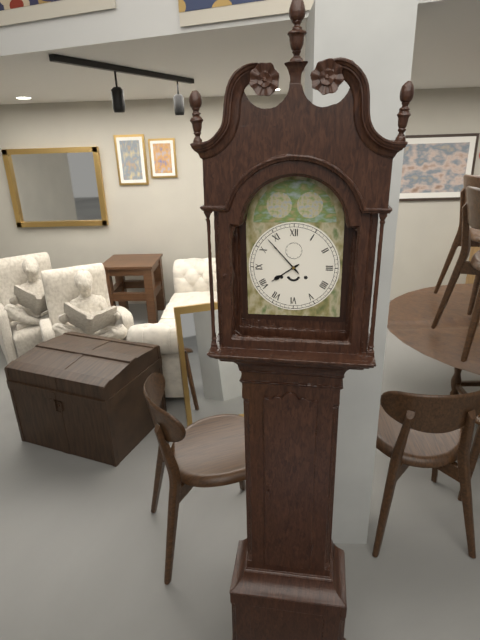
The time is 7:53
